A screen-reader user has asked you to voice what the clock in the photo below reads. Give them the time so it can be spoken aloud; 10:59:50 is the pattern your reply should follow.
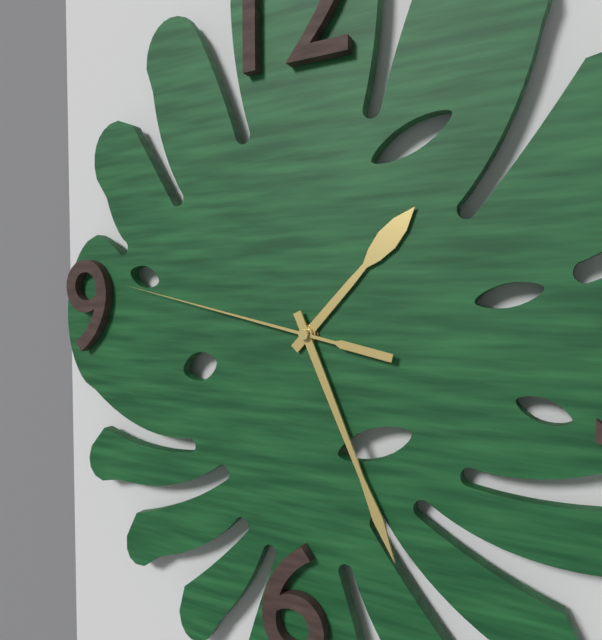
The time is 1:26:47
